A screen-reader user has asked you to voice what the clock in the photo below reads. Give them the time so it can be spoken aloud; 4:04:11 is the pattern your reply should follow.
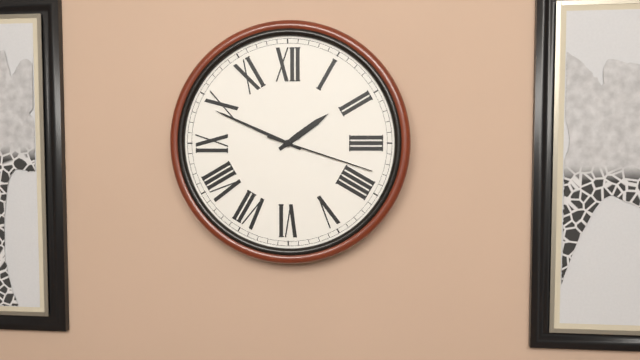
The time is 1:49:18
